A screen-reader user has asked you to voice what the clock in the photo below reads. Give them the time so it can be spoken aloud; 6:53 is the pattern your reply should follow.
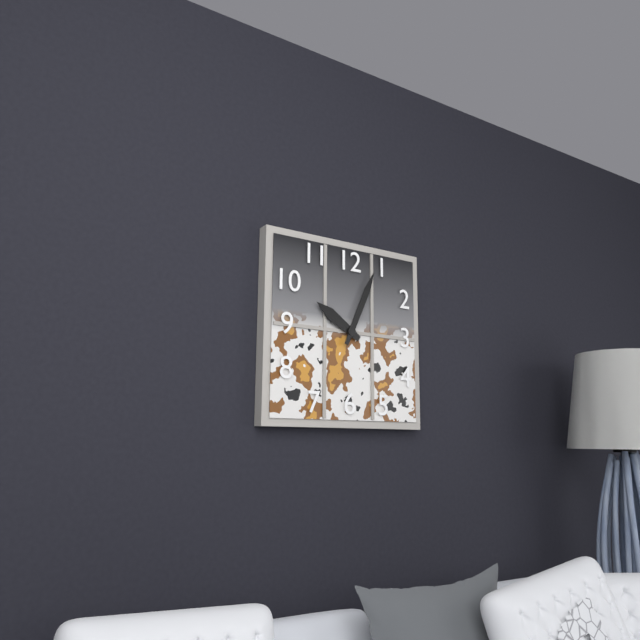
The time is 10:04
